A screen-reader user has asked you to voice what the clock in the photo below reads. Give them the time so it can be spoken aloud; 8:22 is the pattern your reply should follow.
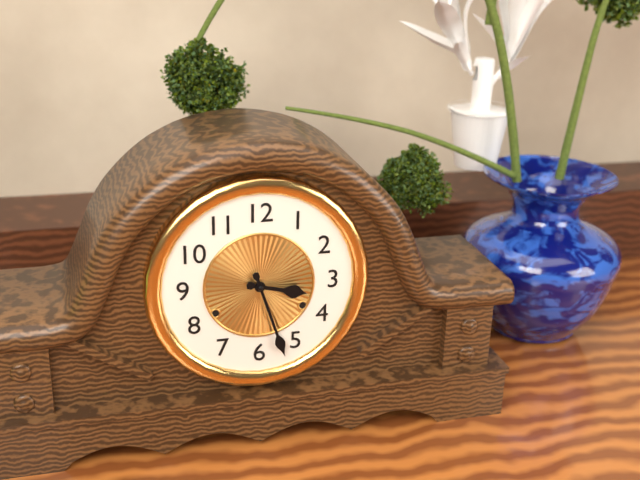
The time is 3:27
